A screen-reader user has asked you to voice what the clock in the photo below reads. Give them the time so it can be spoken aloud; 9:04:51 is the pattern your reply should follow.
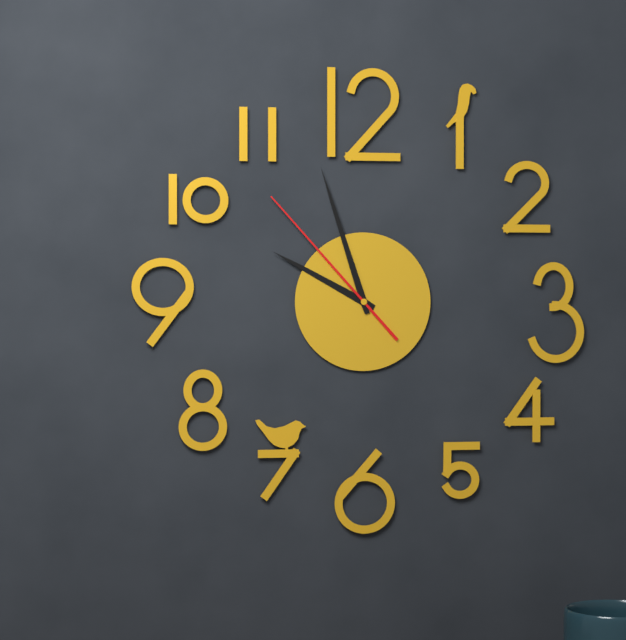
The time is 9:57:53
